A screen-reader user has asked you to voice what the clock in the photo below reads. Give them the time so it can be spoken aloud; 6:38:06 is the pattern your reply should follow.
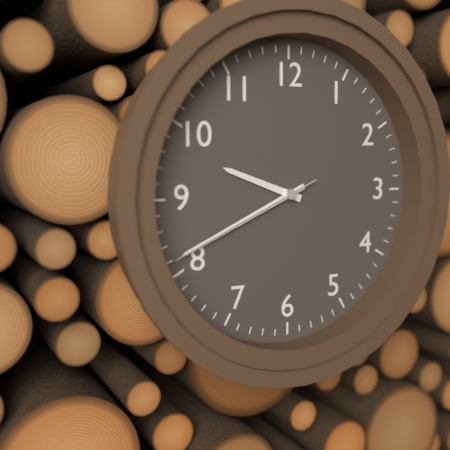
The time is 9:41:41
